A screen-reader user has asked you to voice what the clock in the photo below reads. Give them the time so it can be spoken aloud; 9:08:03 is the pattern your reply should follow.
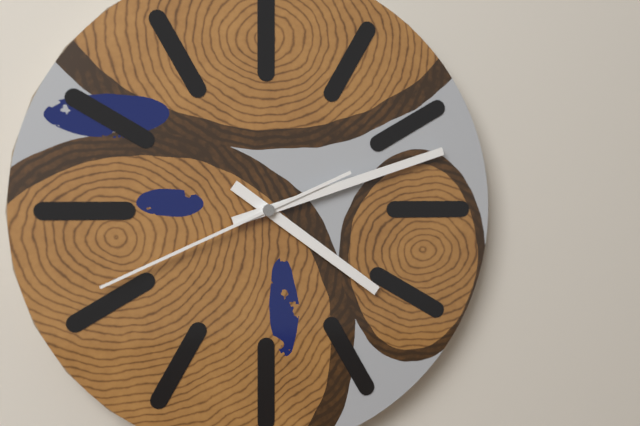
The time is 4:12:41
